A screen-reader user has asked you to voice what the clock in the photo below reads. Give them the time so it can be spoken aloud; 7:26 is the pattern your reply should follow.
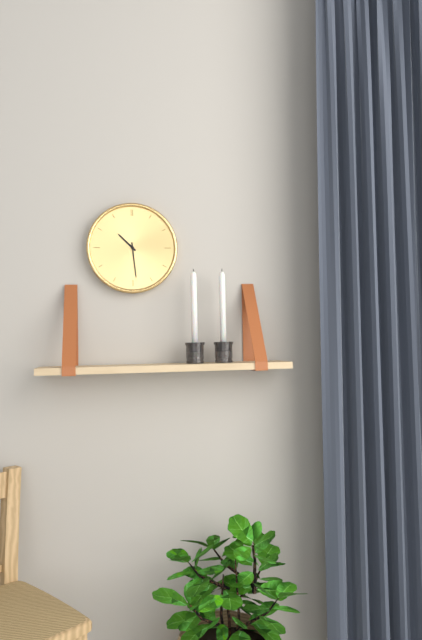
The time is 10:29
